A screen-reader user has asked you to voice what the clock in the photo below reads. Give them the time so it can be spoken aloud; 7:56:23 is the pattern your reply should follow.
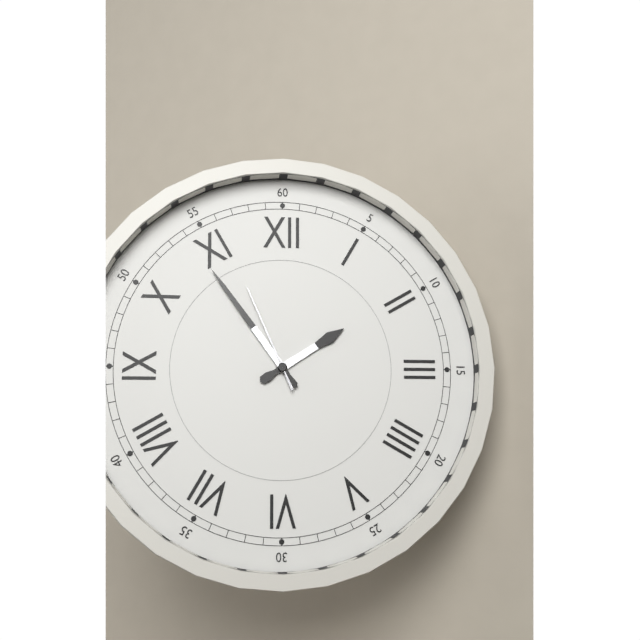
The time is 1:54:56
